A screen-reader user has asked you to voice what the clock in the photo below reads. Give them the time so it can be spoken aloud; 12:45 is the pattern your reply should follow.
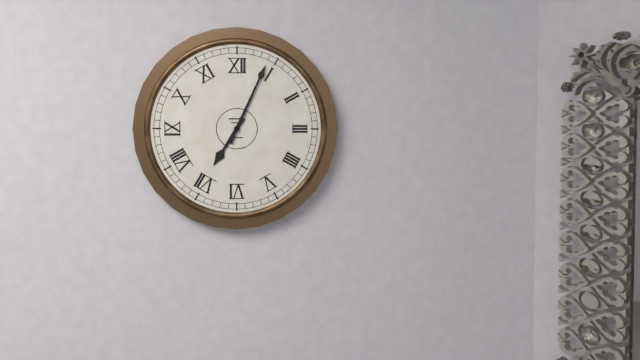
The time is 7:04
